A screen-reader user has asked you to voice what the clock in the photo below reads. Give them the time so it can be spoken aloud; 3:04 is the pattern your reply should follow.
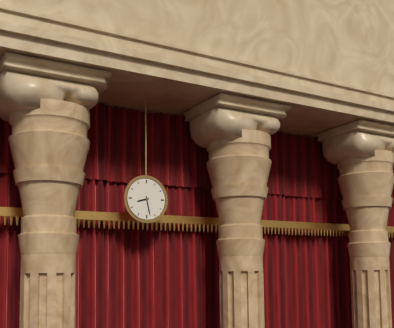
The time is 8:28
